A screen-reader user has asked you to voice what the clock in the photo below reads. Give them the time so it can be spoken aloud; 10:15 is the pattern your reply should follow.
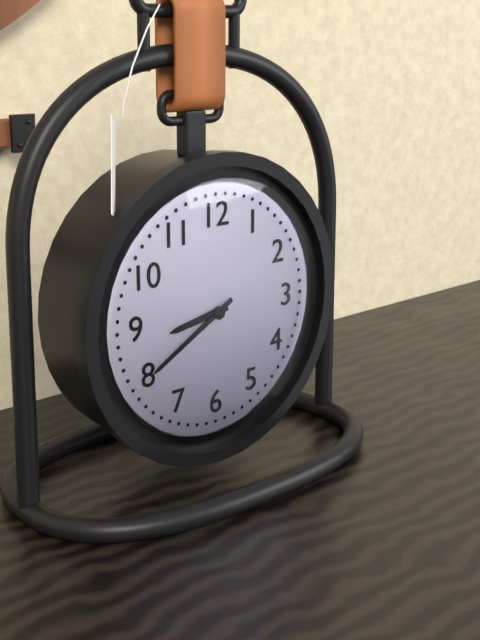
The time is 8:40
